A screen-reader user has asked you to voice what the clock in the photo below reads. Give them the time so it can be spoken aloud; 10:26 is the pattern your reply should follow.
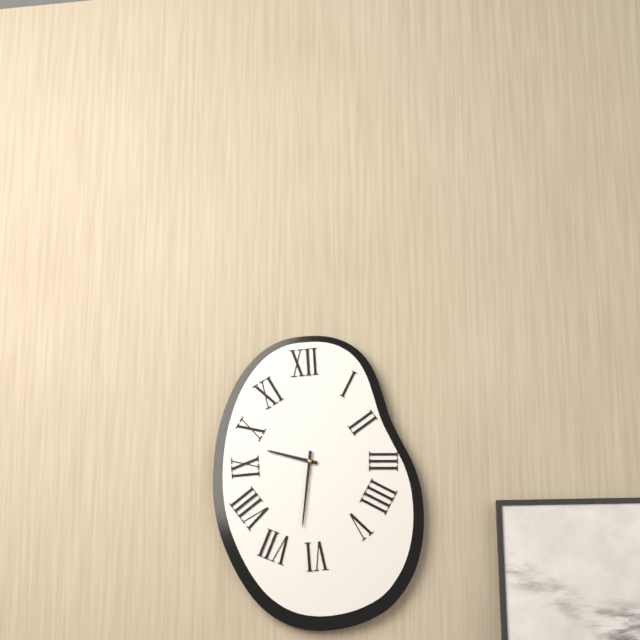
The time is 9:31
